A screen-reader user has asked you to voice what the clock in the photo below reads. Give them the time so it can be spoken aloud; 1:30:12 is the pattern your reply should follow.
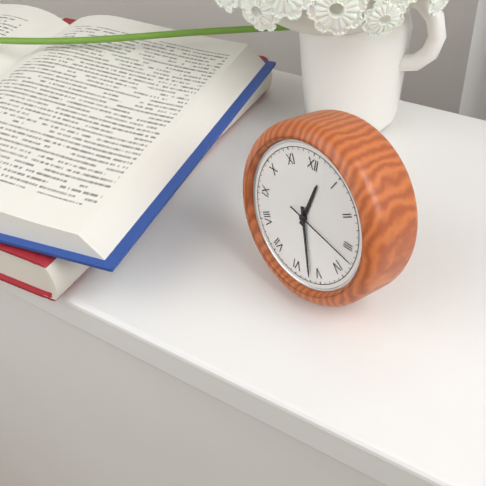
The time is 12:27:17
